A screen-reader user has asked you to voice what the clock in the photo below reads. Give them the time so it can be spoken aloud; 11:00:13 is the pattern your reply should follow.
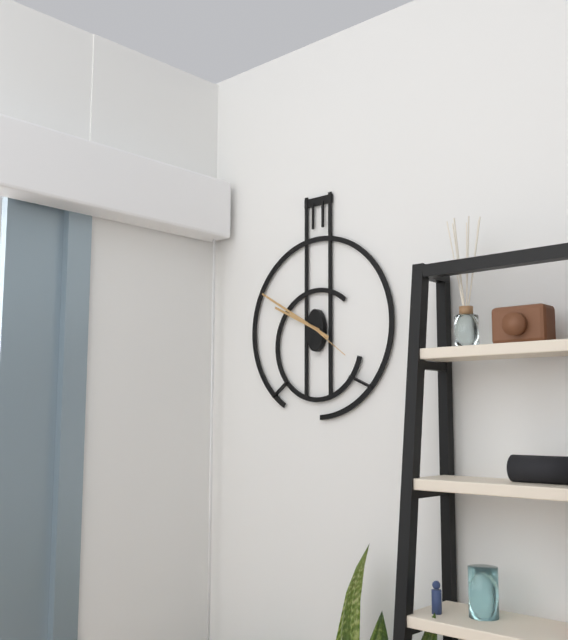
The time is 9:50:21
